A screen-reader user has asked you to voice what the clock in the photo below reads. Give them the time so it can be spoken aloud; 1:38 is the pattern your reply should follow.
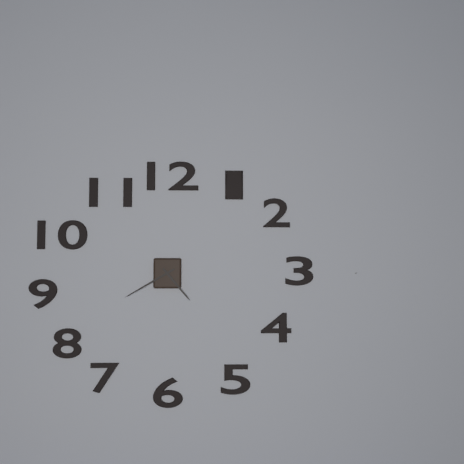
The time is 4:40
